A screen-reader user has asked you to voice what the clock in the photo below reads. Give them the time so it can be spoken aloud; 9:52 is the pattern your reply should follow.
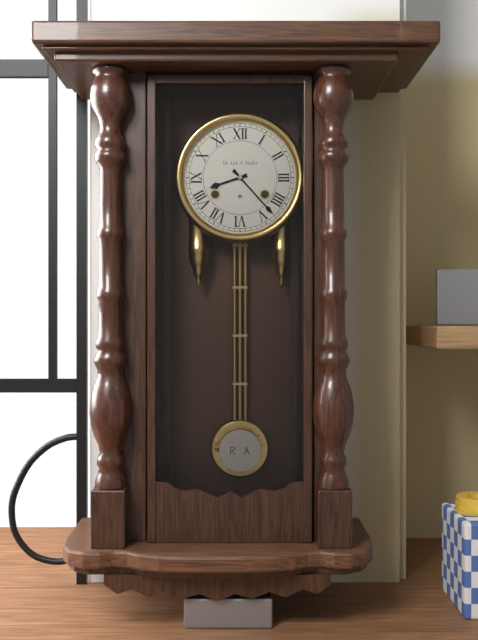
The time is 8:23
